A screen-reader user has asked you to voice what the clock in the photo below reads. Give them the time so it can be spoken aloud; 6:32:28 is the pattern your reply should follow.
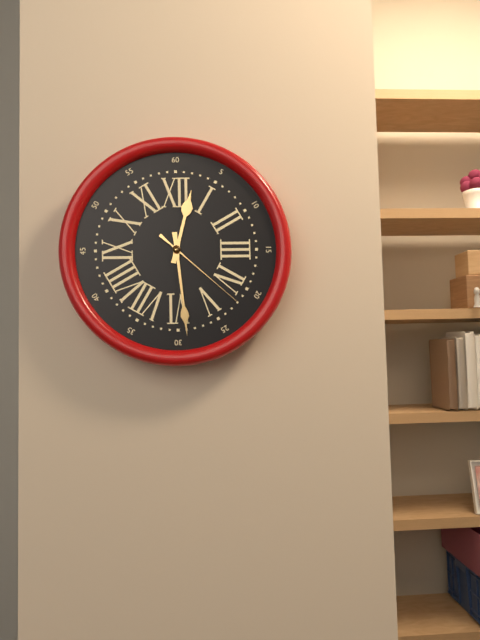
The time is 12:29:22
